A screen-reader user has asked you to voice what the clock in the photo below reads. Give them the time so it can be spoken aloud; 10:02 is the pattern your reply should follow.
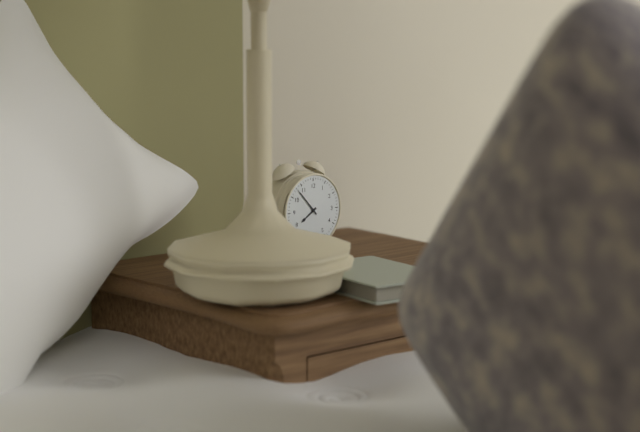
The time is 7:53
